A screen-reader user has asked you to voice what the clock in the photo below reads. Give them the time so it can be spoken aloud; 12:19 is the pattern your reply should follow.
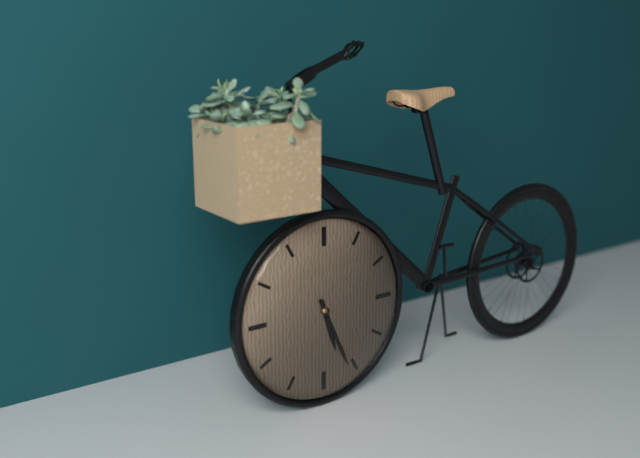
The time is 5:26
